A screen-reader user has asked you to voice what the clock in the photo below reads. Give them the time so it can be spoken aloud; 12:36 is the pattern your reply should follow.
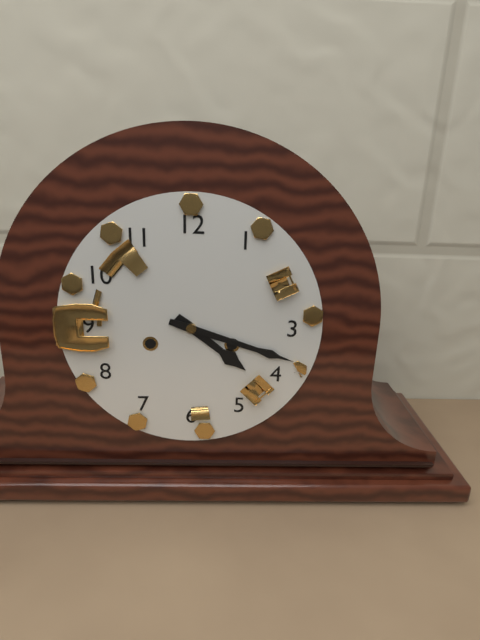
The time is 4:18
